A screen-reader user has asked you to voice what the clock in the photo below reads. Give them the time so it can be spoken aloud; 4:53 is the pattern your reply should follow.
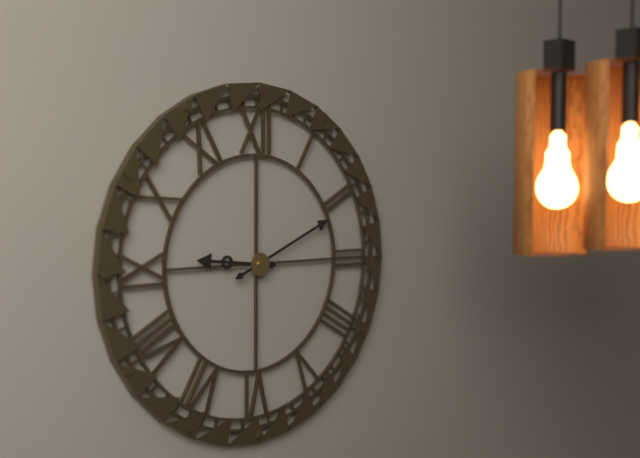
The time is 9:11
